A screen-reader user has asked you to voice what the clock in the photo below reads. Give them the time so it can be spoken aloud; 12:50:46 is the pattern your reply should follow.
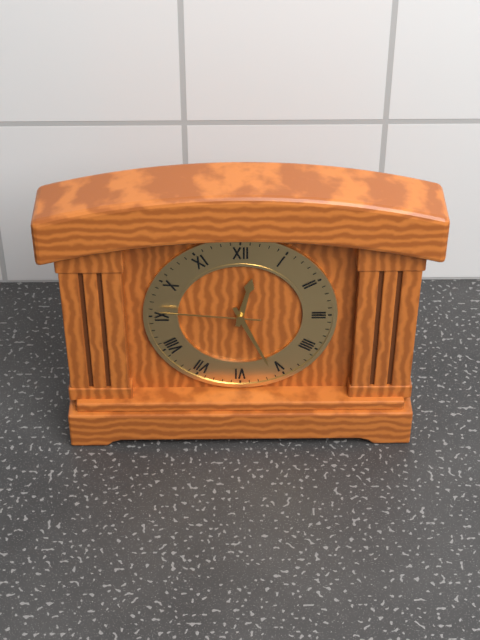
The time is 12:26:46
